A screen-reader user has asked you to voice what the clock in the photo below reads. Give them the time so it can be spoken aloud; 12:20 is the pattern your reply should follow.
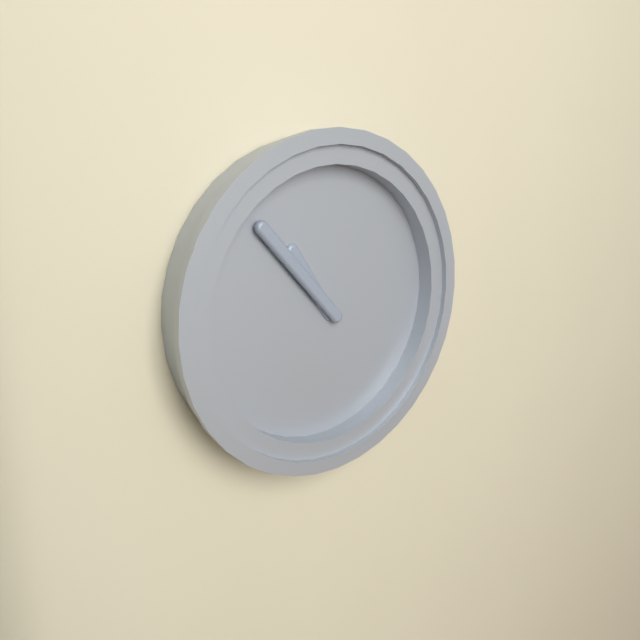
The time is 10:53
